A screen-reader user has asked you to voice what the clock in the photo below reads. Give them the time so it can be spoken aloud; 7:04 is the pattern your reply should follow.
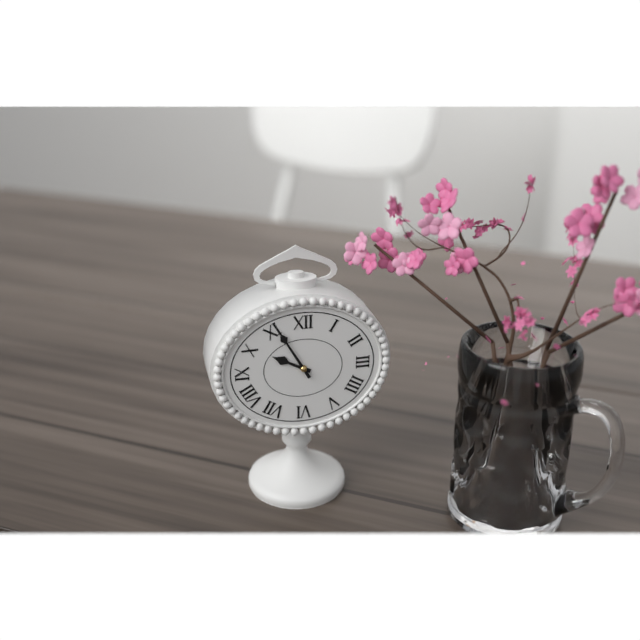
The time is 9:55
